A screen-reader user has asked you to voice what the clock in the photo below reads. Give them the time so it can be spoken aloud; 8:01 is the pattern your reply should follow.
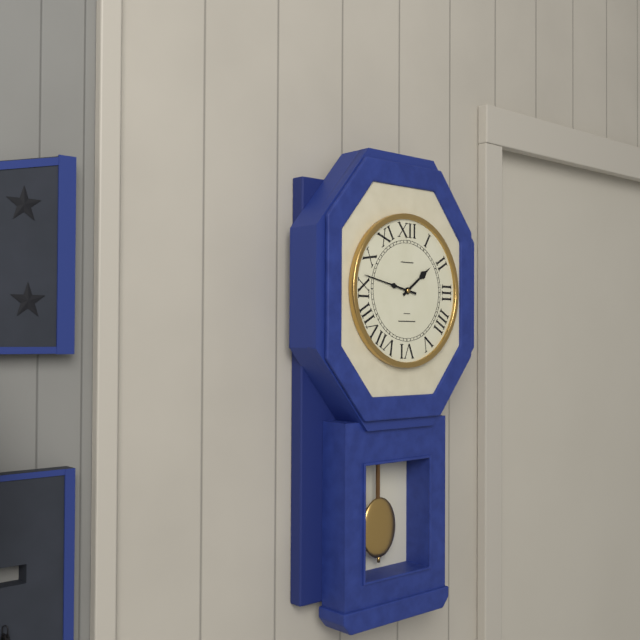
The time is 1:47
